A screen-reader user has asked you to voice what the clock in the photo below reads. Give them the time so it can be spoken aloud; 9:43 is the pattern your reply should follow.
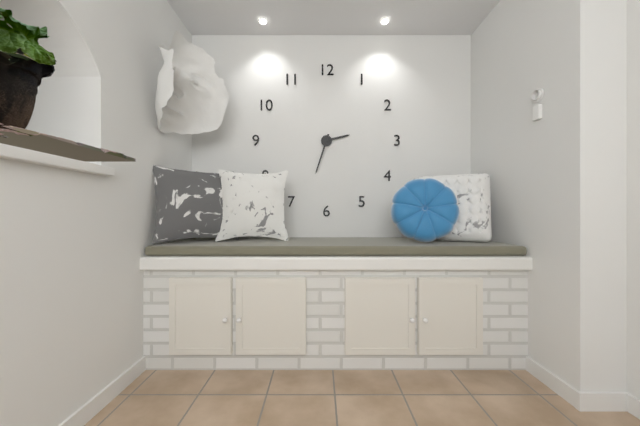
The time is 2:33
